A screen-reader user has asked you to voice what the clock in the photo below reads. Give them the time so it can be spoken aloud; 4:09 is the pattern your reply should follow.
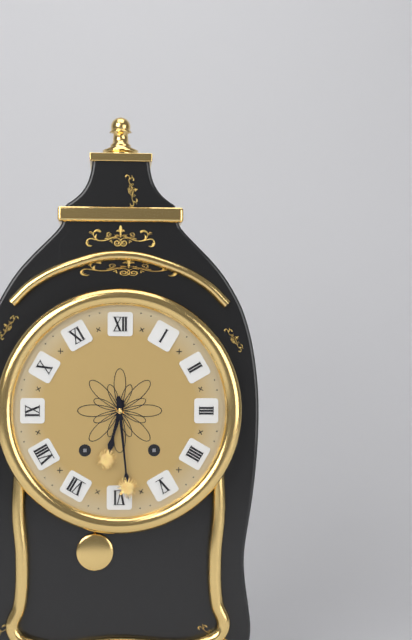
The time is 6:29
